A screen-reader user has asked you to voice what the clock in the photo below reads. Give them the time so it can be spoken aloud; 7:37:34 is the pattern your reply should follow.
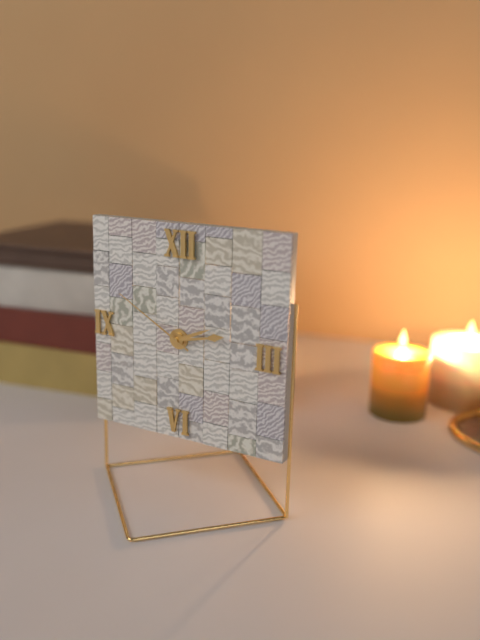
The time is 2:13:50
